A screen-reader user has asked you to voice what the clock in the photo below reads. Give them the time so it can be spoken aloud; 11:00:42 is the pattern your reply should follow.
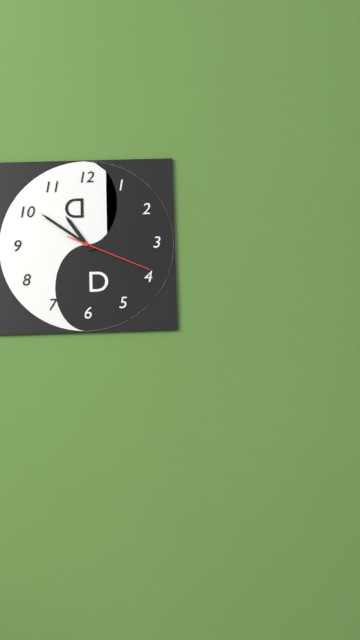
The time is 10:51:19
